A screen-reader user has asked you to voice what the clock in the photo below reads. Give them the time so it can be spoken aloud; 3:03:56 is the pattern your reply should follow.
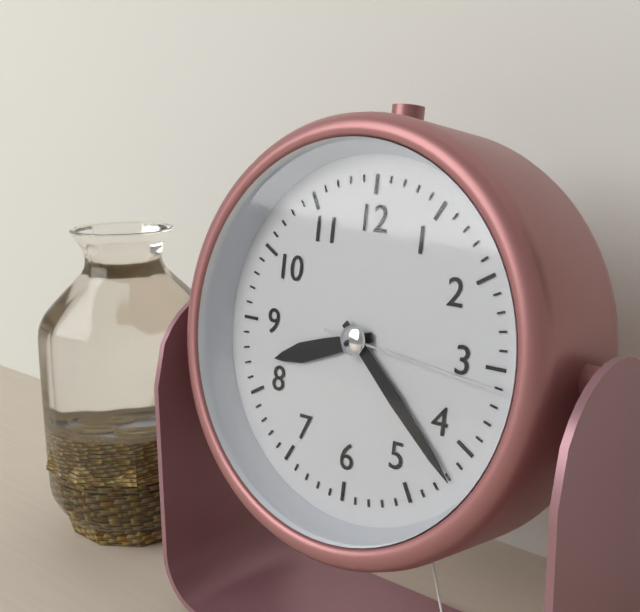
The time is 8:22:16
